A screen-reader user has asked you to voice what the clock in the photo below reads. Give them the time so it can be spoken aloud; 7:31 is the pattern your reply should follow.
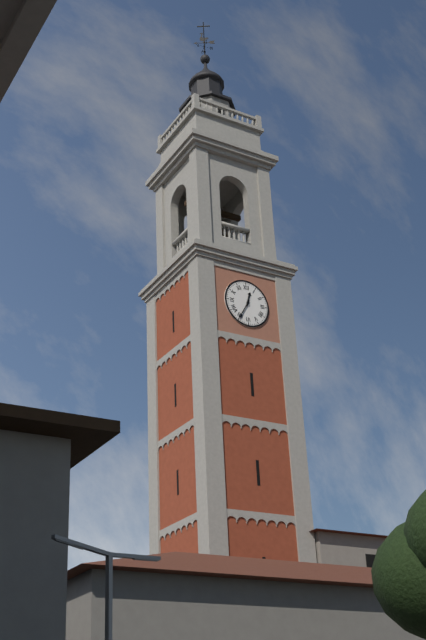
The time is 12:35
